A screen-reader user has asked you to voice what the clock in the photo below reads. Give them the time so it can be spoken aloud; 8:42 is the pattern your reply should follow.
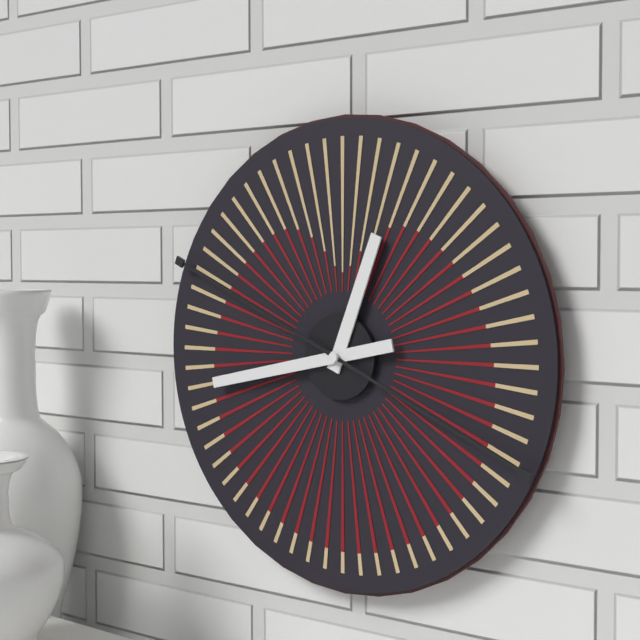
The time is 12:43
